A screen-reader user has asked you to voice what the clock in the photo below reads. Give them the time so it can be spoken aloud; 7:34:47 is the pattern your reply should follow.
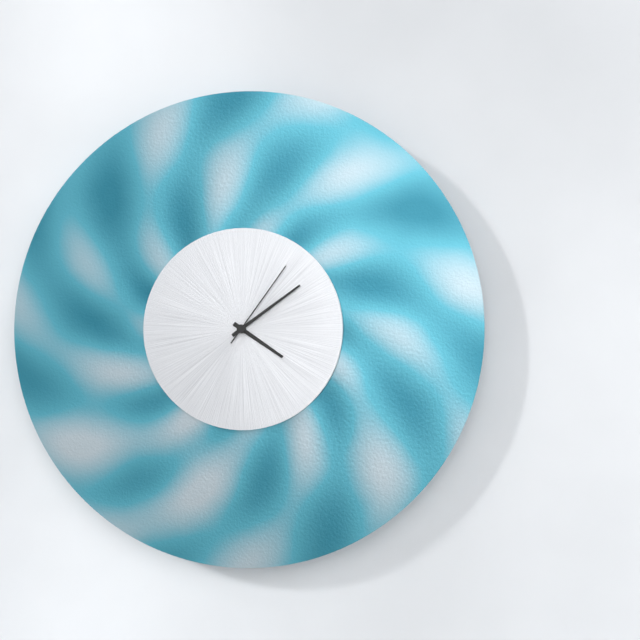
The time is 4:09:06
